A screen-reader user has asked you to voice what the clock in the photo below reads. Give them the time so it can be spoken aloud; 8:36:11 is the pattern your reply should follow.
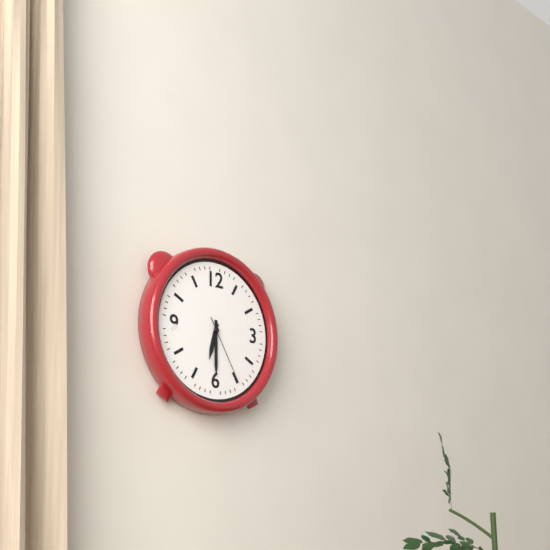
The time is 6:30:25
